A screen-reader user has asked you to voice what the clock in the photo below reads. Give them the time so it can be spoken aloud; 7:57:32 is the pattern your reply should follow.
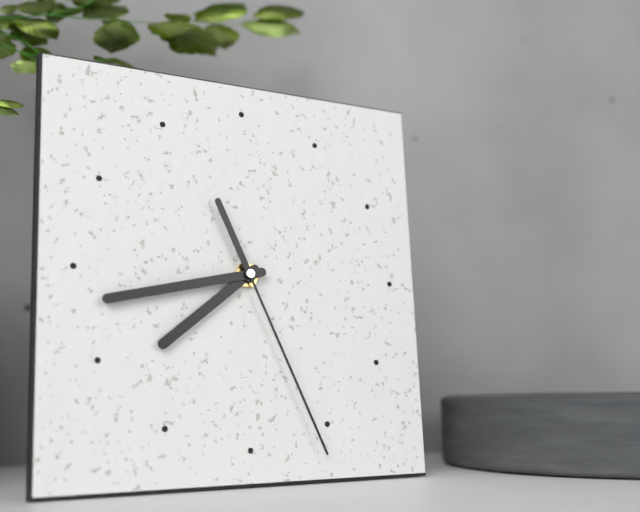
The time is 7:43:26
